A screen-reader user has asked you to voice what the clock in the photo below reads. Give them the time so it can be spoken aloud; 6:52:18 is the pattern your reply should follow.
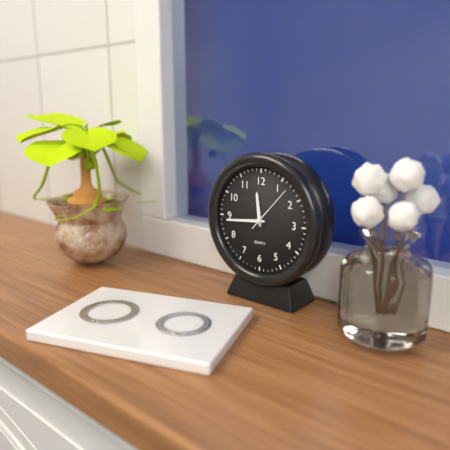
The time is 11:44:07
